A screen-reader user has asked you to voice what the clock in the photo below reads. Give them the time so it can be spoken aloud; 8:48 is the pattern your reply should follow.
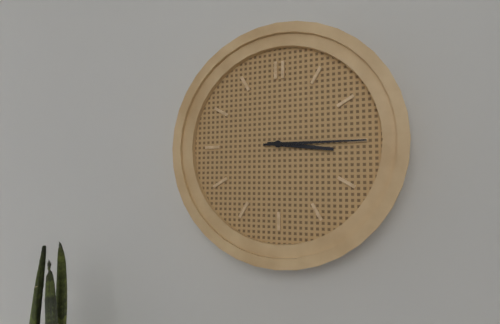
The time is 3:15
